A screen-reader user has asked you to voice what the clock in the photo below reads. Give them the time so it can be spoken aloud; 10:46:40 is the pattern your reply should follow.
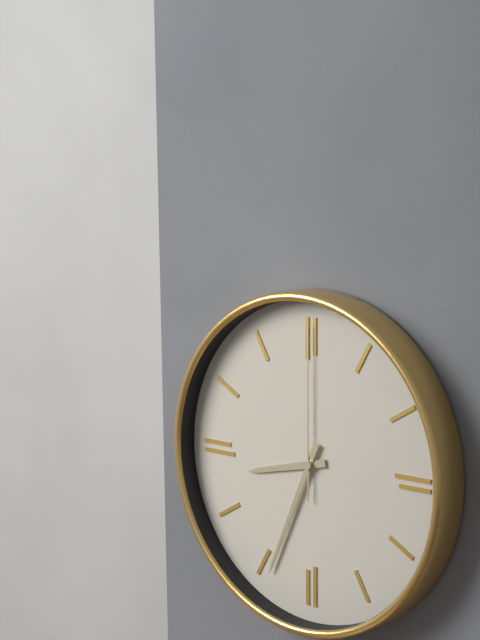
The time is 8:34:00
